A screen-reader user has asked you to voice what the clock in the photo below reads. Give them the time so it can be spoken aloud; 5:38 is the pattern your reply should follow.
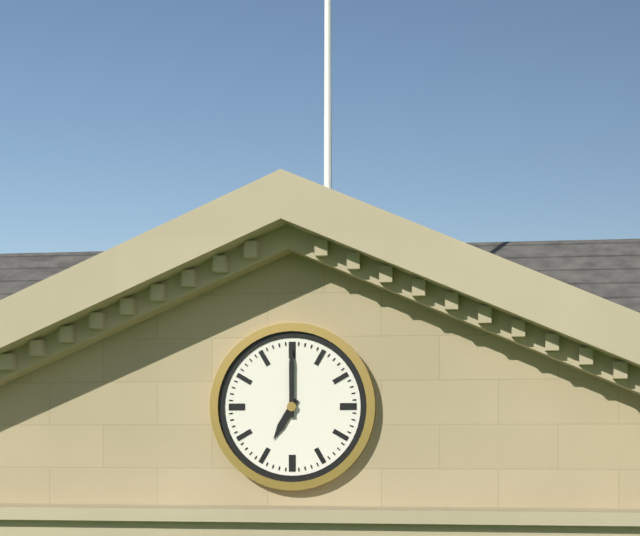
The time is 7:00
